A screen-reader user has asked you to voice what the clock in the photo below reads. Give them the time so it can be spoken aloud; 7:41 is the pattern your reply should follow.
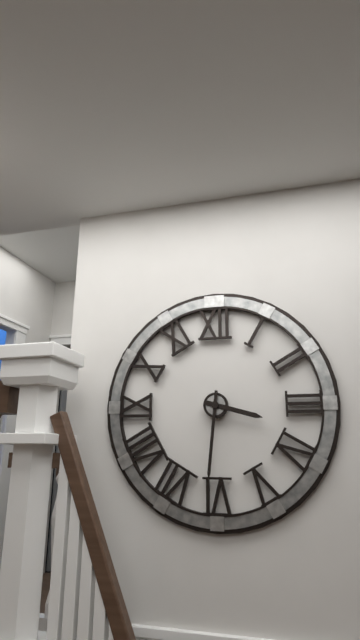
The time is 3:31
